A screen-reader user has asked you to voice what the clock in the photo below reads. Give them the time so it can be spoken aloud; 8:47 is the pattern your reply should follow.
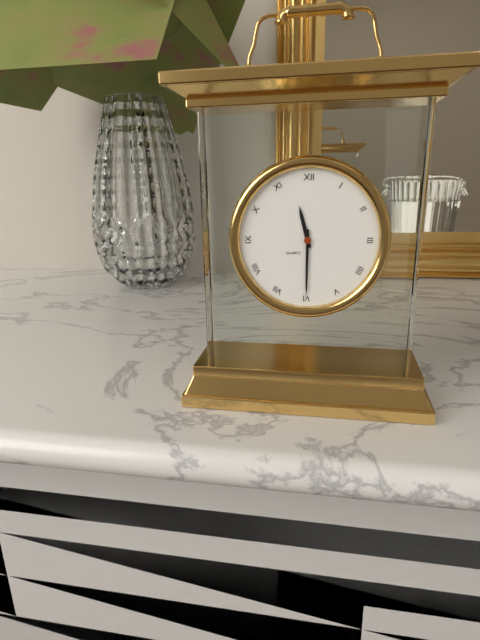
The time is 11:30
